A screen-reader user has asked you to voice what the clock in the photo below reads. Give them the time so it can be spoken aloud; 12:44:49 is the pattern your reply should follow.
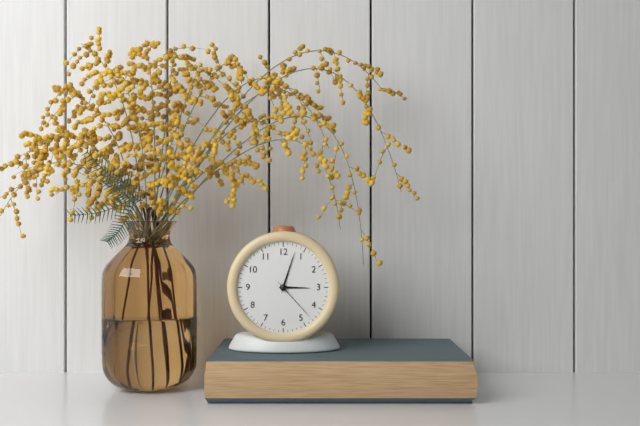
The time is 3:03:23
